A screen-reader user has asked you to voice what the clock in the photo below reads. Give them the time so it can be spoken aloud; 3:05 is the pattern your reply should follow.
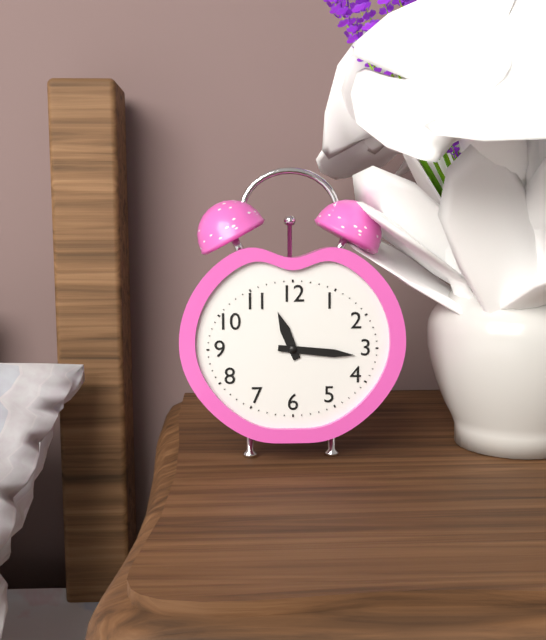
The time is 11:16
